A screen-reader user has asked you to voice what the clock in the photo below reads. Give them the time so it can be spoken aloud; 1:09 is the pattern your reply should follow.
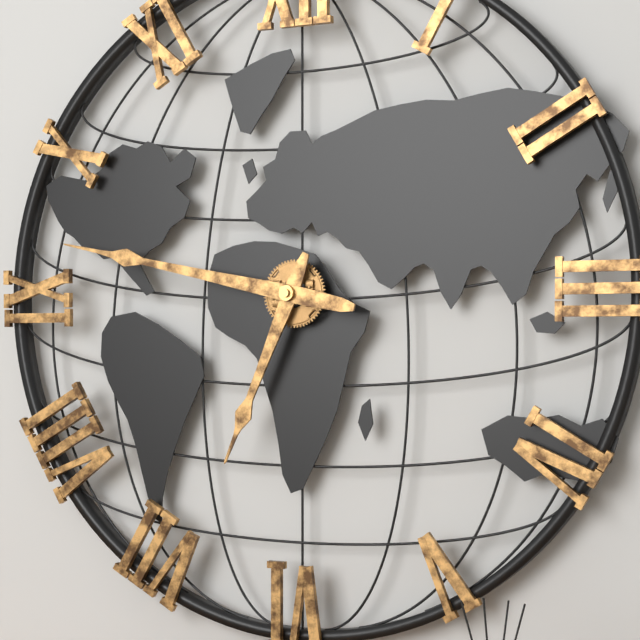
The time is 6:47
